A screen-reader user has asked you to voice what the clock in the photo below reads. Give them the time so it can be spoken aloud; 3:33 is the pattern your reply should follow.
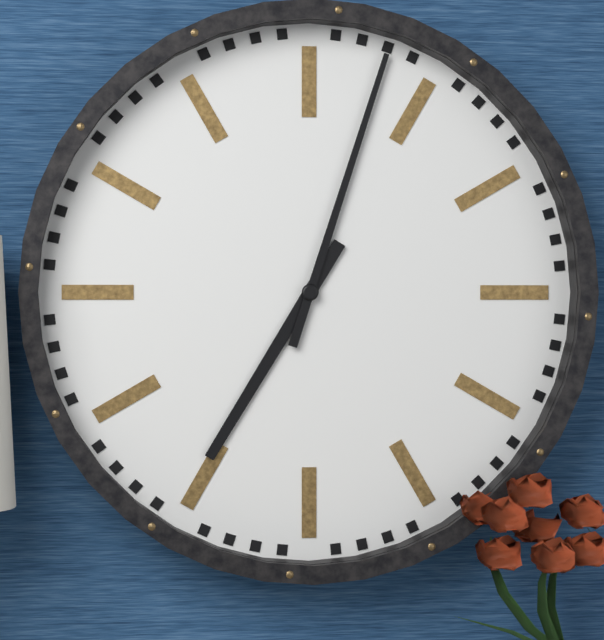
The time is 7:03
